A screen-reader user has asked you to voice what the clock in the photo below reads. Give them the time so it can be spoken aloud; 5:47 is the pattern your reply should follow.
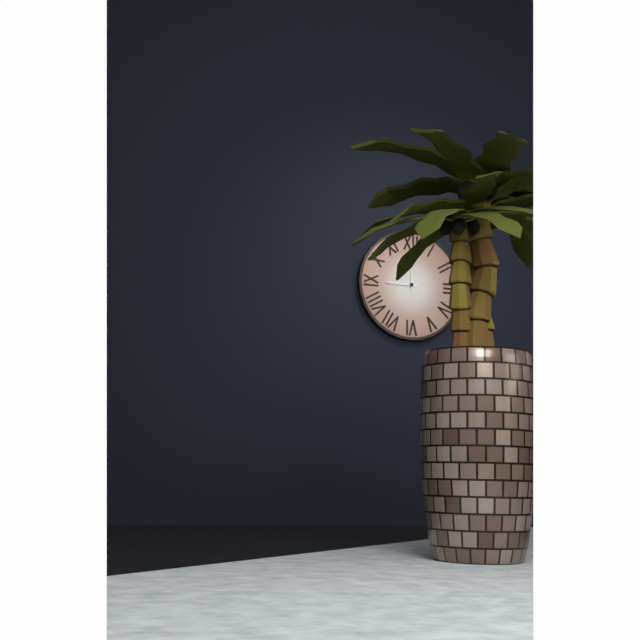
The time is 9:00
